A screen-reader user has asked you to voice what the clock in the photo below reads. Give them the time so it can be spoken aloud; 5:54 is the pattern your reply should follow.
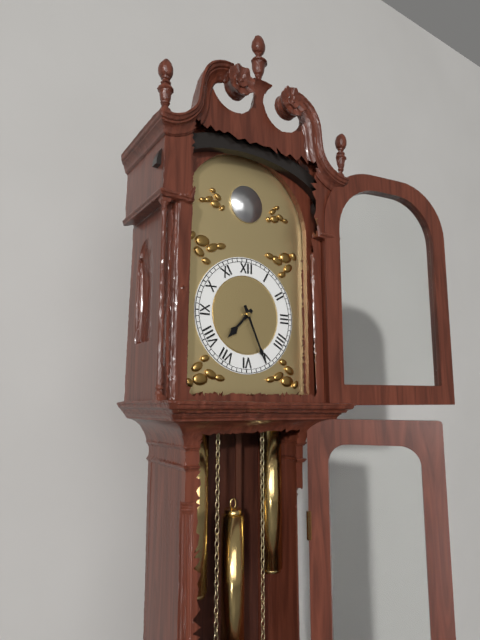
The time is 7:26
